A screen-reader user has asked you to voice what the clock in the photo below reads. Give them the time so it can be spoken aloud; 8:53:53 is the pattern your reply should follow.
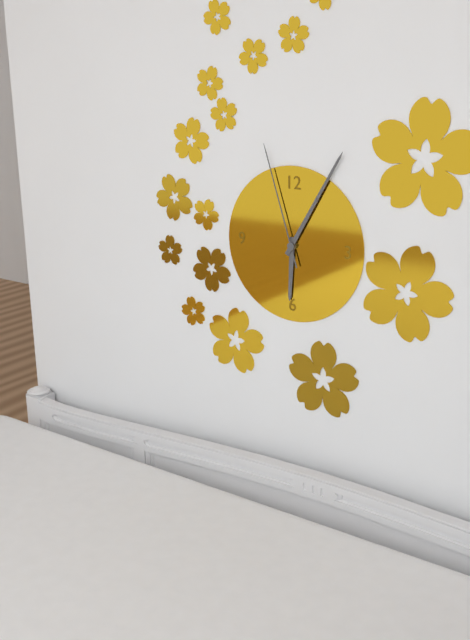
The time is 6:05:57
